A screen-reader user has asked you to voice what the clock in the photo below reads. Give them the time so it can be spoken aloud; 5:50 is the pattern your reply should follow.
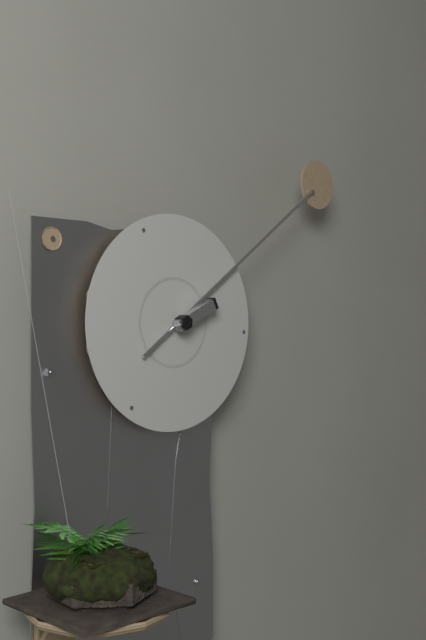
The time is 2:09
